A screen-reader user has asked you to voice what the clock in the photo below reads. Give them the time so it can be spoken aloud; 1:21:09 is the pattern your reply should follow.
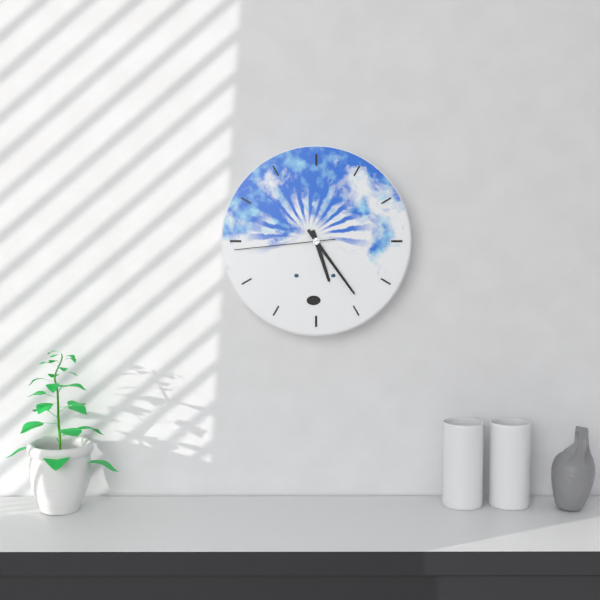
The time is 5:24:44
